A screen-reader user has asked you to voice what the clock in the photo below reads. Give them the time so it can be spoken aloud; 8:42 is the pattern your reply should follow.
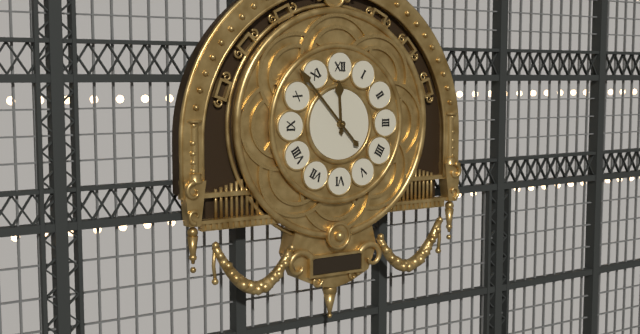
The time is 11:53
